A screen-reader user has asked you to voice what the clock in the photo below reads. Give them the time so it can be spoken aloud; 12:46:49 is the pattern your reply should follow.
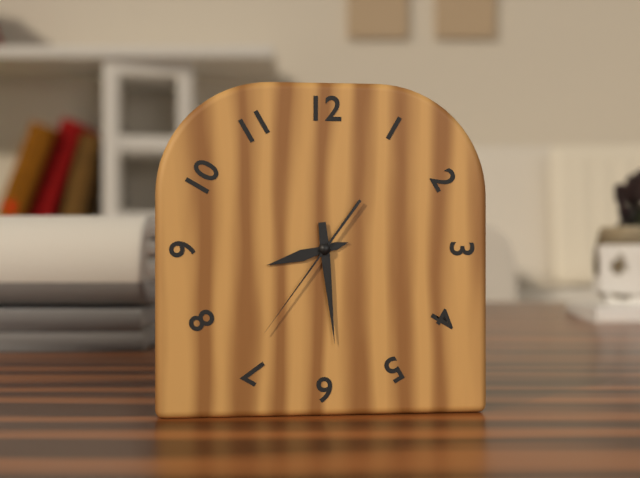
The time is 8:29:36
